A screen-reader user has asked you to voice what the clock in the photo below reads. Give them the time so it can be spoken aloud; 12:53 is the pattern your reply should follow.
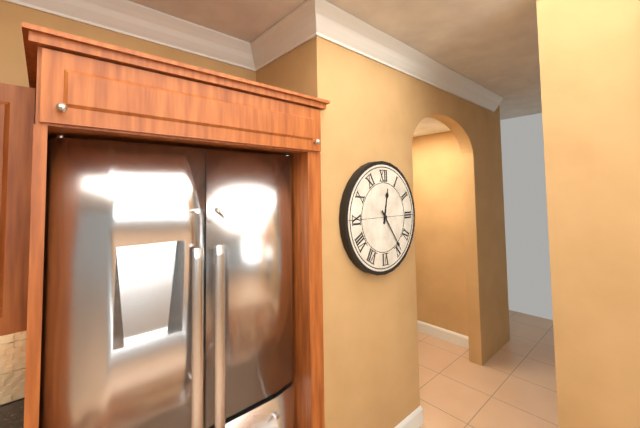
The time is 12:24
